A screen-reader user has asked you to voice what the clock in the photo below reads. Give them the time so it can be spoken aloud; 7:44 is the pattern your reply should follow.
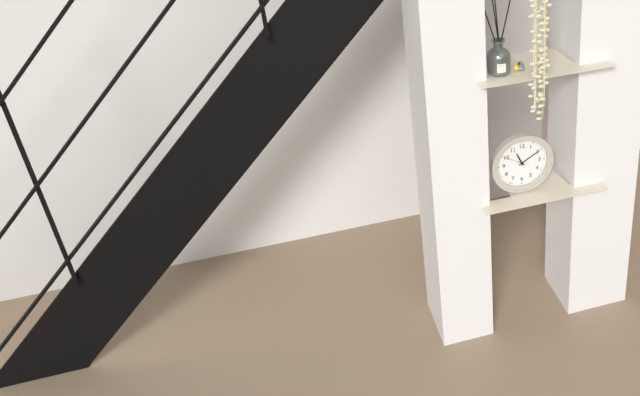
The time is 11:10
